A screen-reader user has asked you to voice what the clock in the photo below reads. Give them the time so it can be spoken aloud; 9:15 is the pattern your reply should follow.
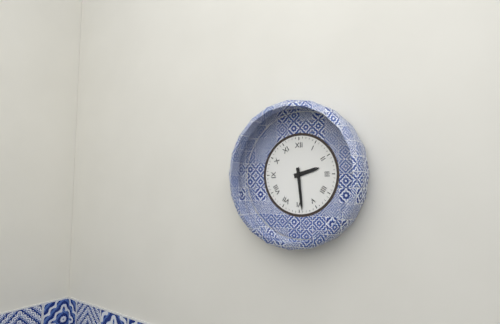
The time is 2:29
